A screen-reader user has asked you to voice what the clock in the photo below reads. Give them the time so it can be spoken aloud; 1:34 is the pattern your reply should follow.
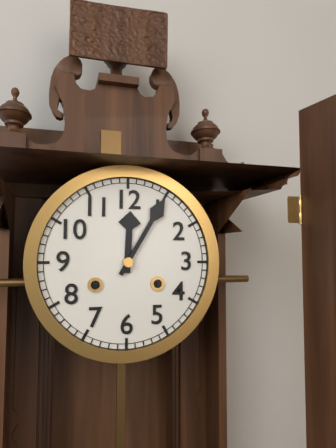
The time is 12:05
